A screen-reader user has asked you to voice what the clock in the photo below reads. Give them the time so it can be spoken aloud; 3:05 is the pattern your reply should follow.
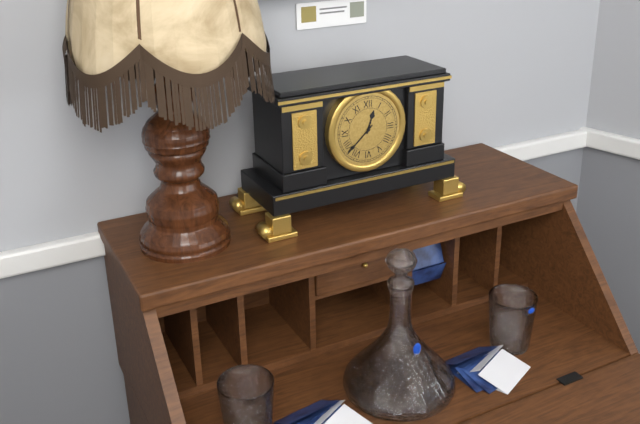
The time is 12:38
